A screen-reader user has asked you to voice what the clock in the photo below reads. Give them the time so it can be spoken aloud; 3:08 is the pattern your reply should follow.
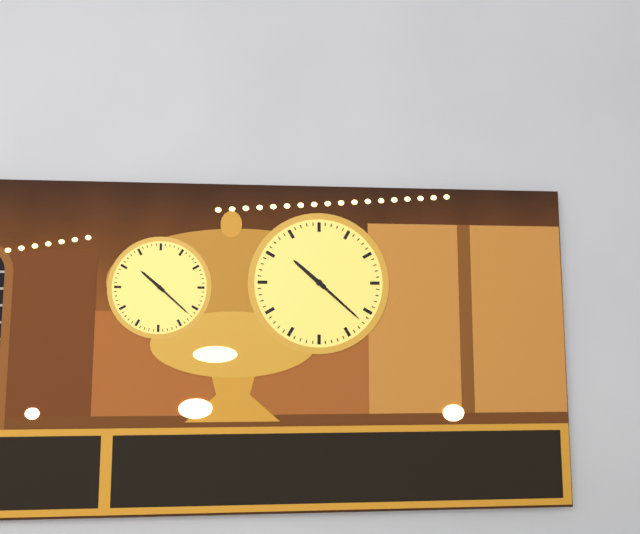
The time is 10:22
